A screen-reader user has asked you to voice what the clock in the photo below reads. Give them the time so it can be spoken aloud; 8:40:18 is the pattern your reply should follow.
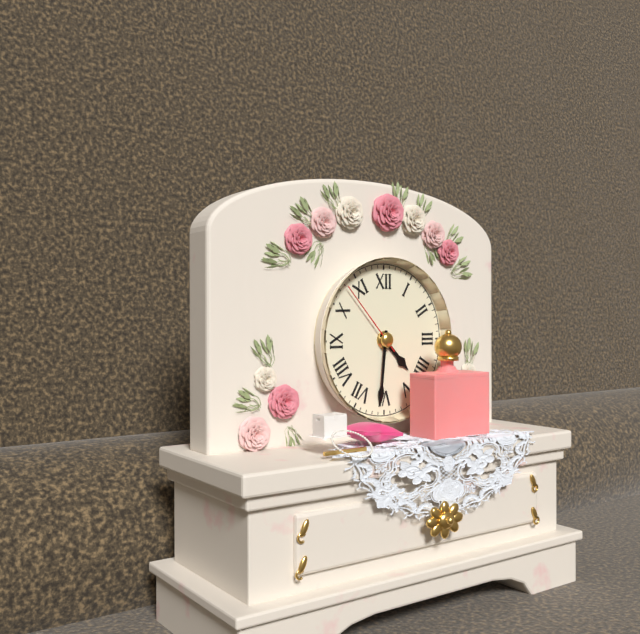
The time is 4:31:53
